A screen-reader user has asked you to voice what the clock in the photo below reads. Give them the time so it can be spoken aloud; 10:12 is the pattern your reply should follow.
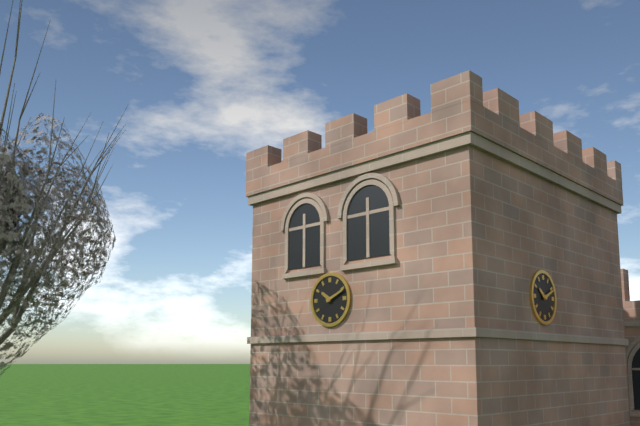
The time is 10:11
